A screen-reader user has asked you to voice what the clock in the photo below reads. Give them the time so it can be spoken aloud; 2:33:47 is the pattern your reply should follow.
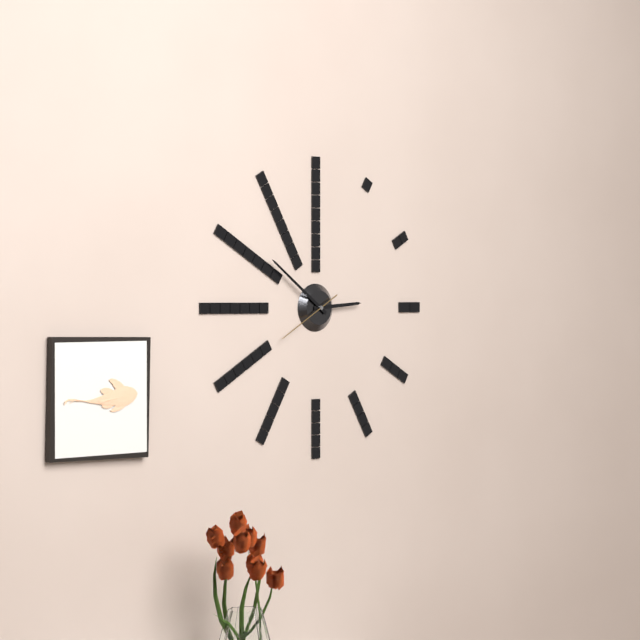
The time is 2:51:40
